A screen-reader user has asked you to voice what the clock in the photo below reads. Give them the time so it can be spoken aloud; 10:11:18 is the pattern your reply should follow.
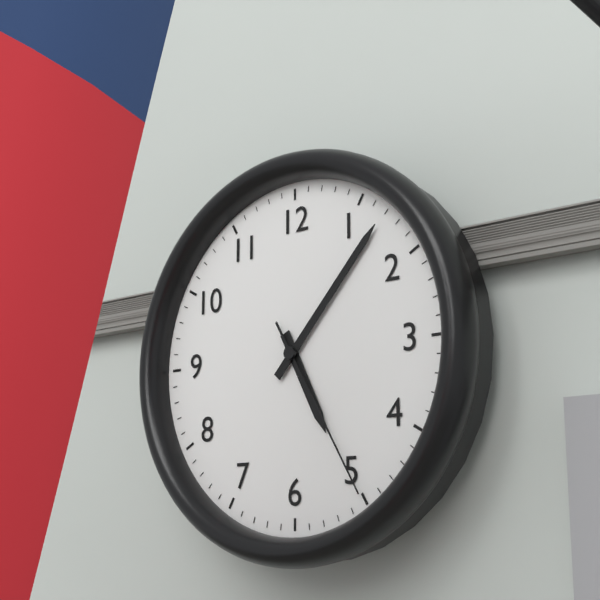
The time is 5:07:25
